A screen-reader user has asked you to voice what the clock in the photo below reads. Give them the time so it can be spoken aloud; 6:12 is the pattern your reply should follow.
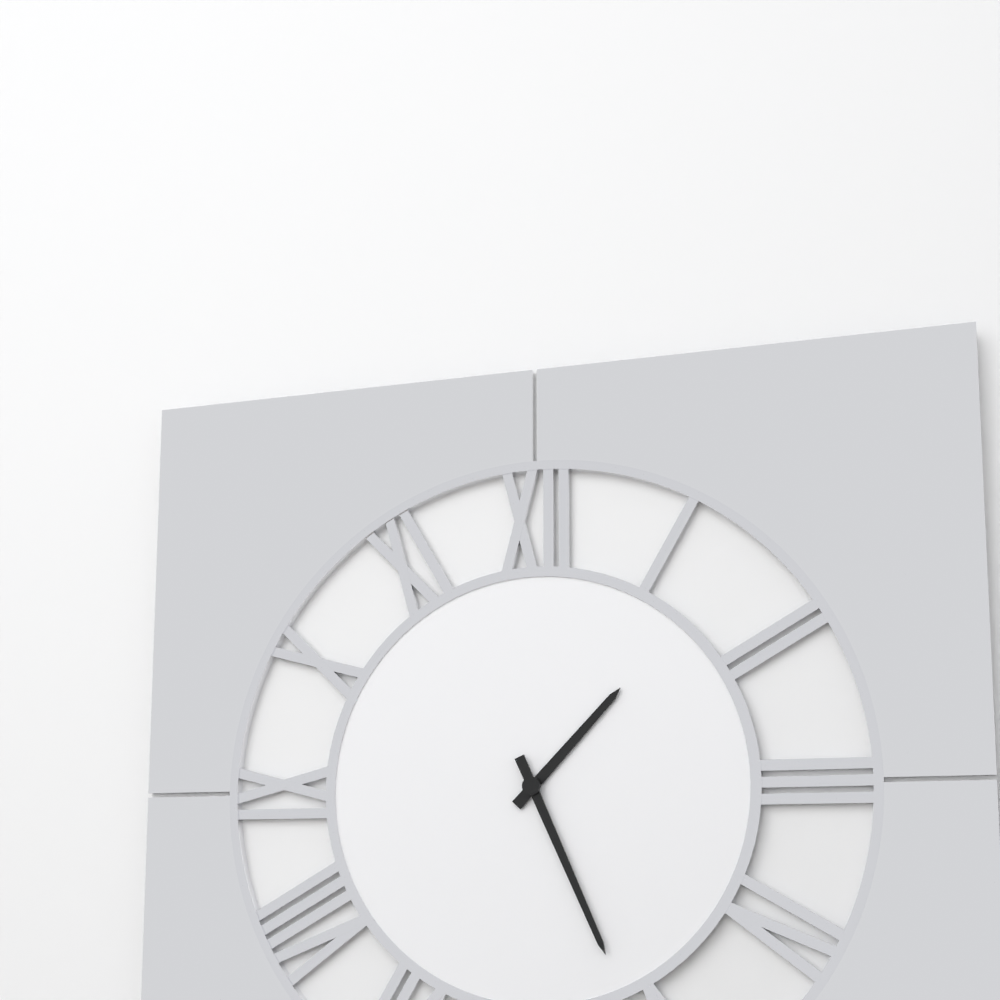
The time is 1:26
